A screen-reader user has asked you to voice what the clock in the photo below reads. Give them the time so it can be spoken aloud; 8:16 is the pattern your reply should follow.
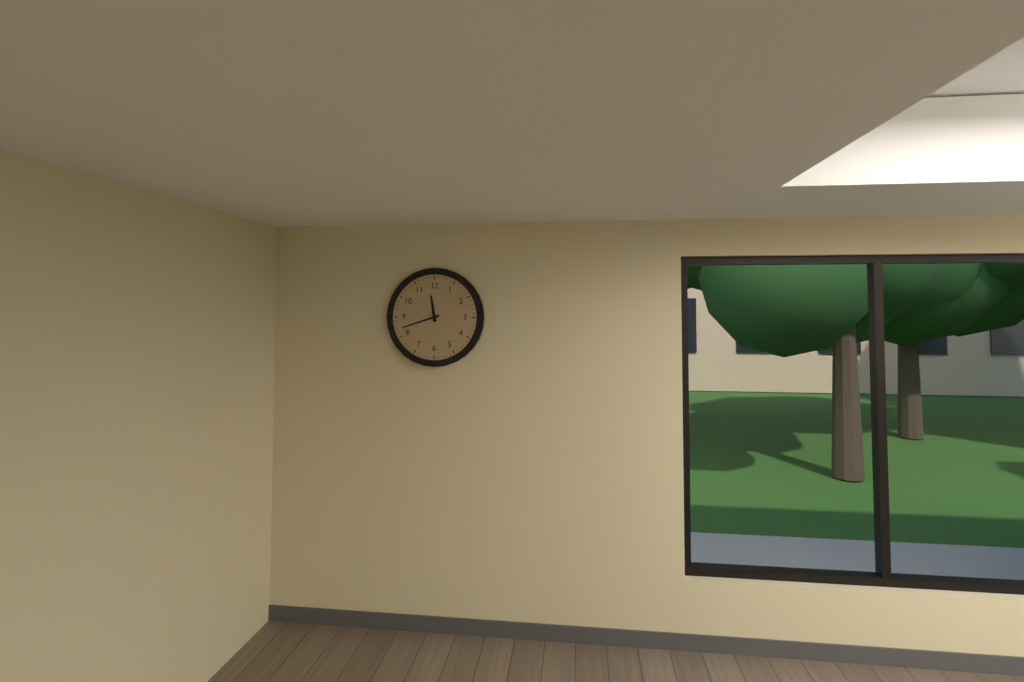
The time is 11:42
